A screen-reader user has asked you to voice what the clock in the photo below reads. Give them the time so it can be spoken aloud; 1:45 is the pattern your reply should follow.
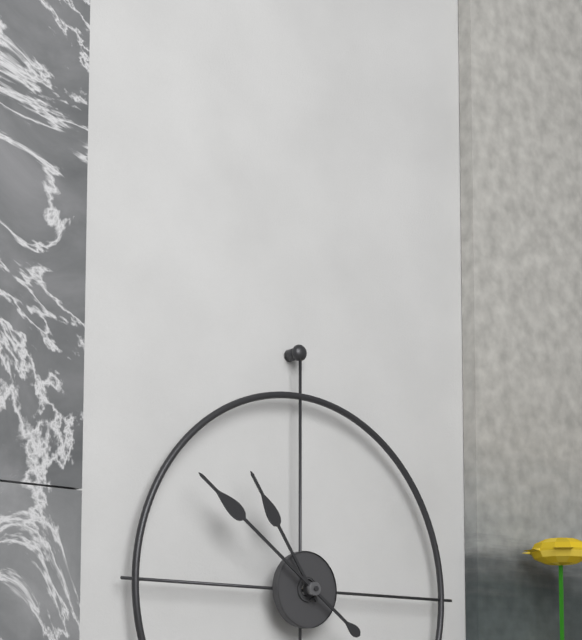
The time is 10:51
